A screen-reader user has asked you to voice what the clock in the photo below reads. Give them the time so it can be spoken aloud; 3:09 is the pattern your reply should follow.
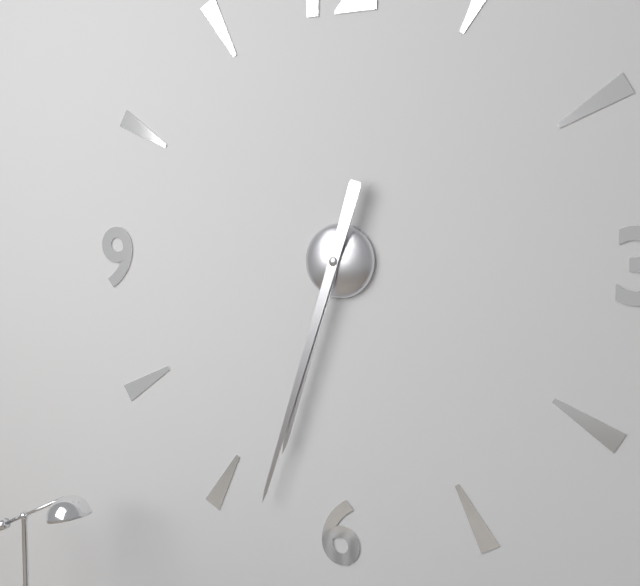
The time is 6:33
